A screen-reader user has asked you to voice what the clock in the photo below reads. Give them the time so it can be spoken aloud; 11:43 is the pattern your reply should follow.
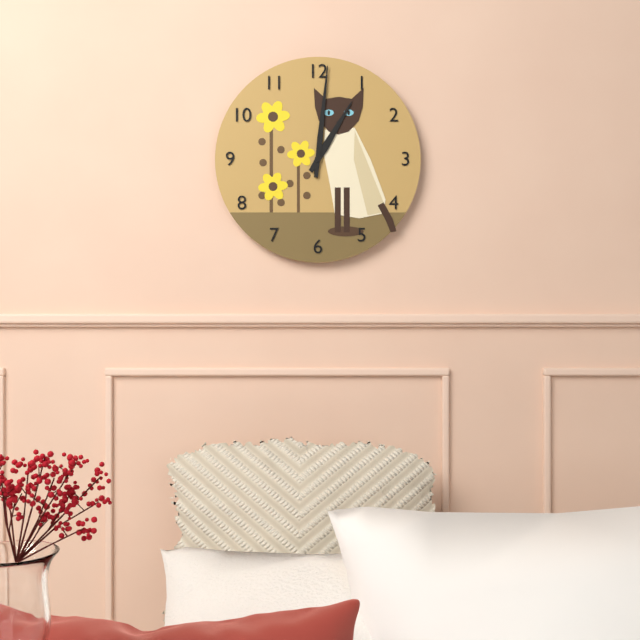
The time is 1:01
